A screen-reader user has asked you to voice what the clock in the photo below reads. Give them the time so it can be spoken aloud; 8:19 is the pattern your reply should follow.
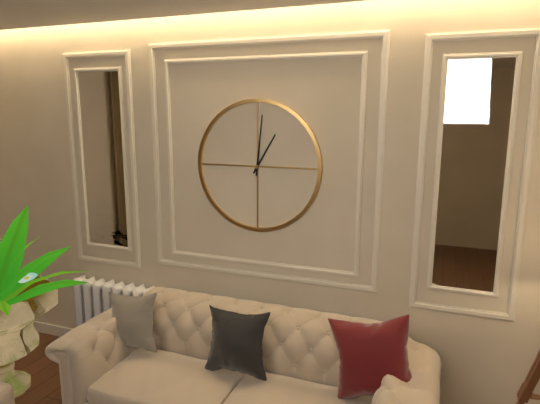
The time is 1:01
